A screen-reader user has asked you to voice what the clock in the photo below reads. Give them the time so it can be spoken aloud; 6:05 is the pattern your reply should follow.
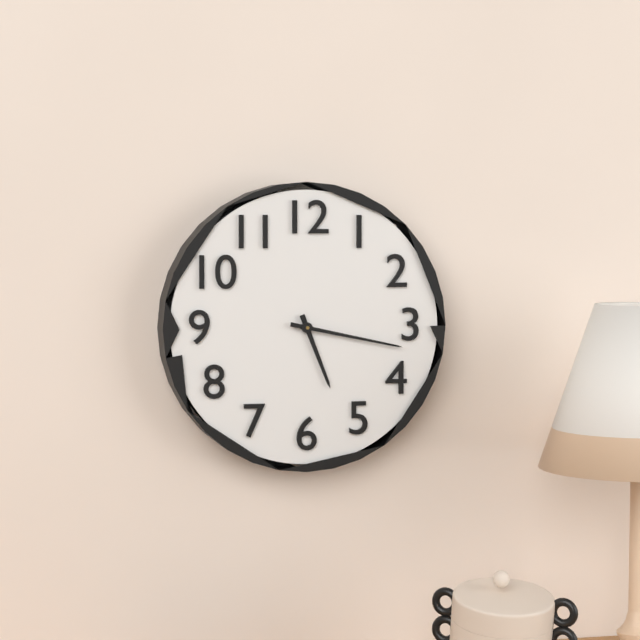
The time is 5:17
